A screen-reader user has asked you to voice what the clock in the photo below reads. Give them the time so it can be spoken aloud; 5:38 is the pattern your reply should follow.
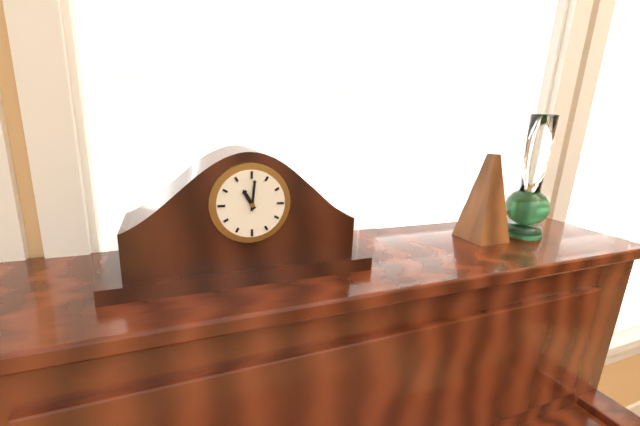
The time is 11:01
